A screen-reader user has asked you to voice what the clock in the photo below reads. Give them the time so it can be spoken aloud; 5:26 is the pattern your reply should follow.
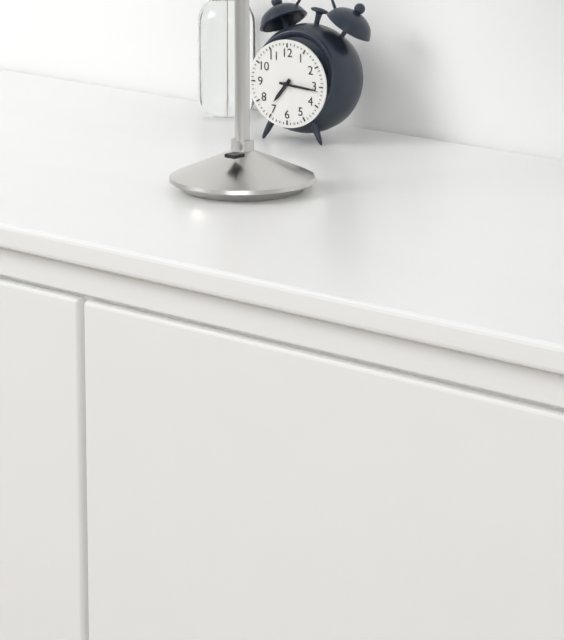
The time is 7:16
